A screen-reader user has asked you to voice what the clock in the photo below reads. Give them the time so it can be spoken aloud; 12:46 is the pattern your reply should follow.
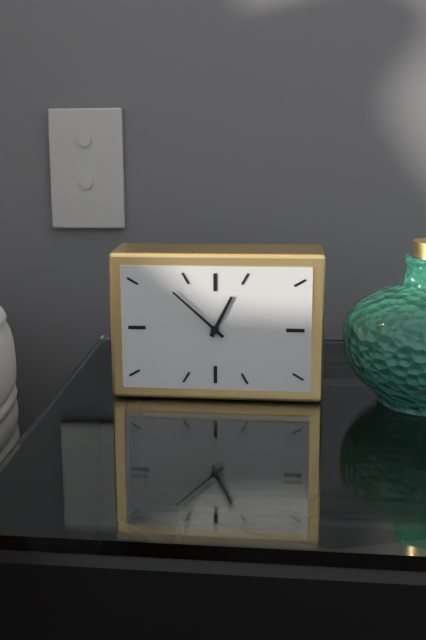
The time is 12:52
